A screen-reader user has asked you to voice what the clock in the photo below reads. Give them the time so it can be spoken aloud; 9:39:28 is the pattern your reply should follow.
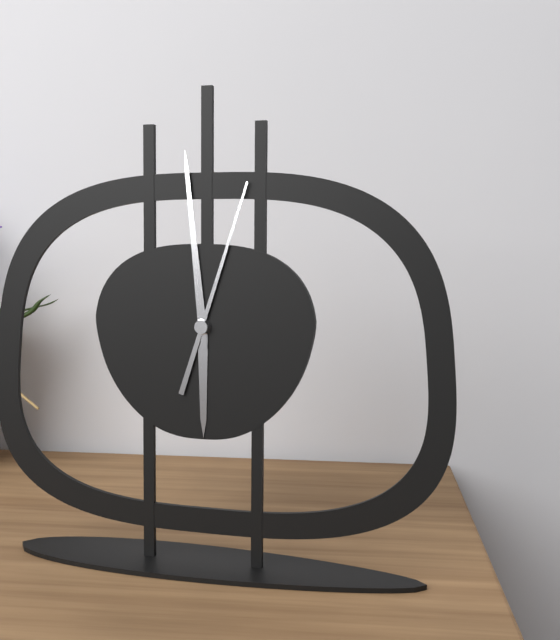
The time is 5:59:03
